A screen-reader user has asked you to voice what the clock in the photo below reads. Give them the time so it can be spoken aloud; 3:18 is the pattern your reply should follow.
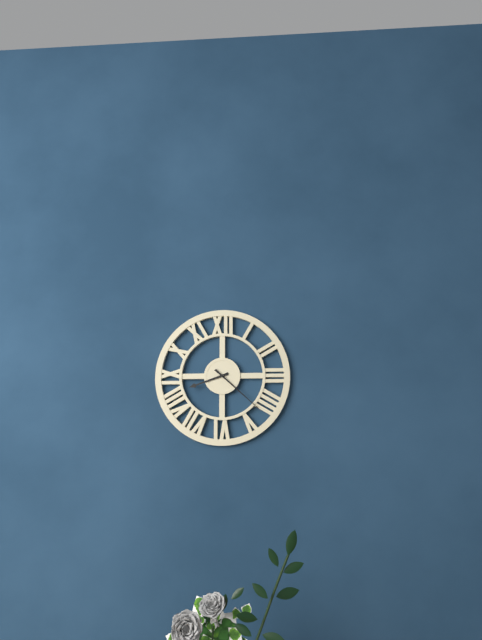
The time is 8:22
